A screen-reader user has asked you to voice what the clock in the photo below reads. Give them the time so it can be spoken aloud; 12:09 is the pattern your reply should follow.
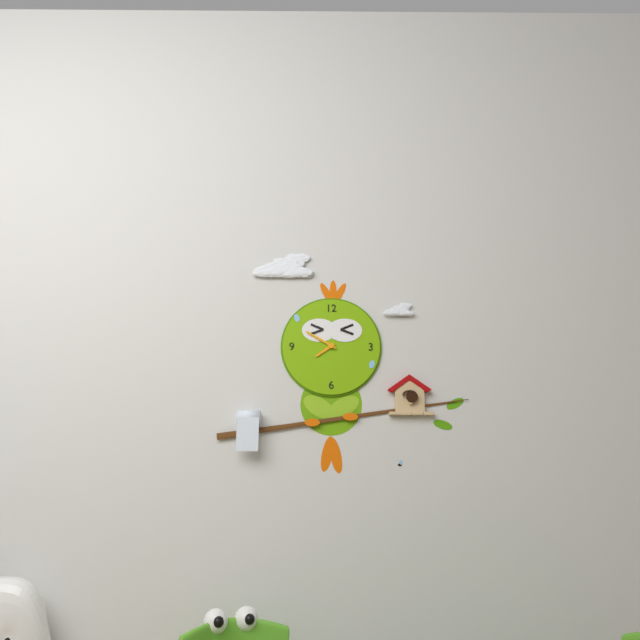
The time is 7:50
